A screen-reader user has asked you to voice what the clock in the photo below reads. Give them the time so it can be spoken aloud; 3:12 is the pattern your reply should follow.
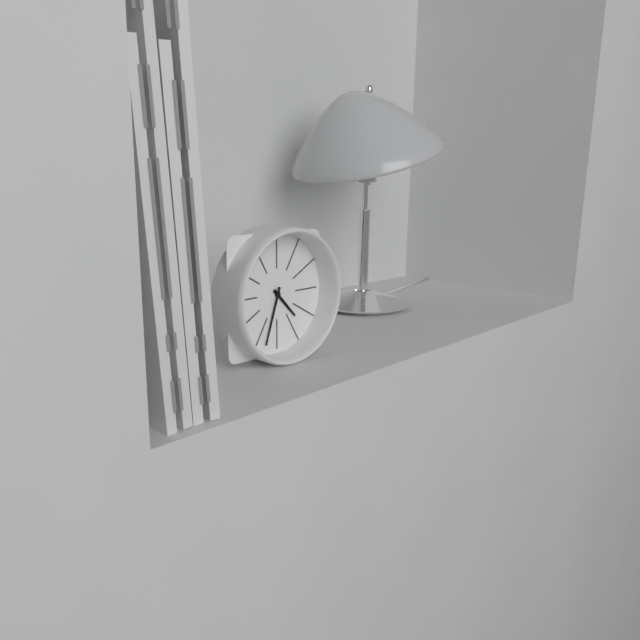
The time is 4:33
